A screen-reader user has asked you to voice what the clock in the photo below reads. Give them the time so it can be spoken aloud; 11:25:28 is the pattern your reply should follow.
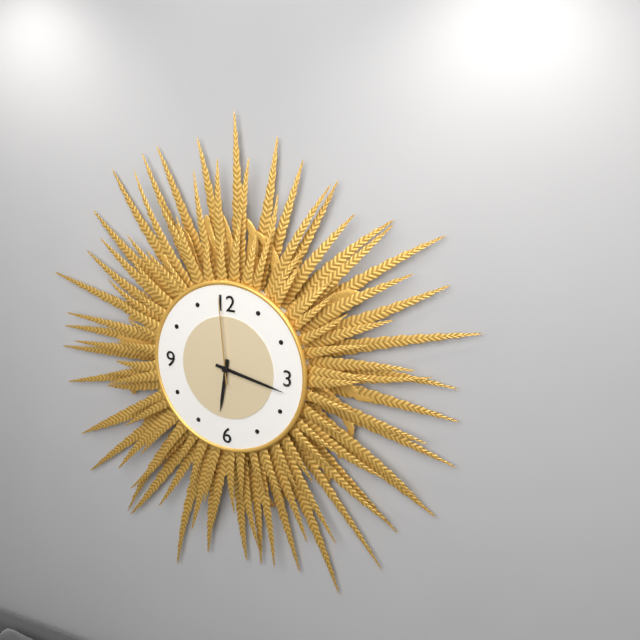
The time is 6:17:59
